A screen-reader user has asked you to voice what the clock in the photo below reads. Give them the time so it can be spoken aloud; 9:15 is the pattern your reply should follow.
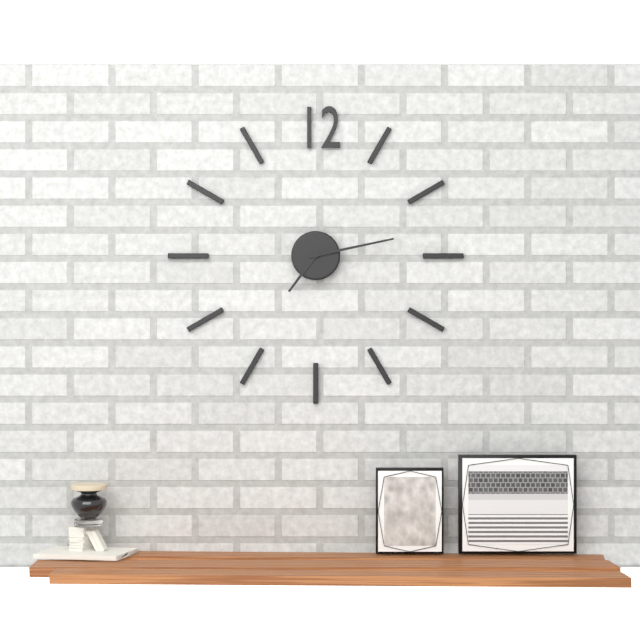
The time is 7:13
